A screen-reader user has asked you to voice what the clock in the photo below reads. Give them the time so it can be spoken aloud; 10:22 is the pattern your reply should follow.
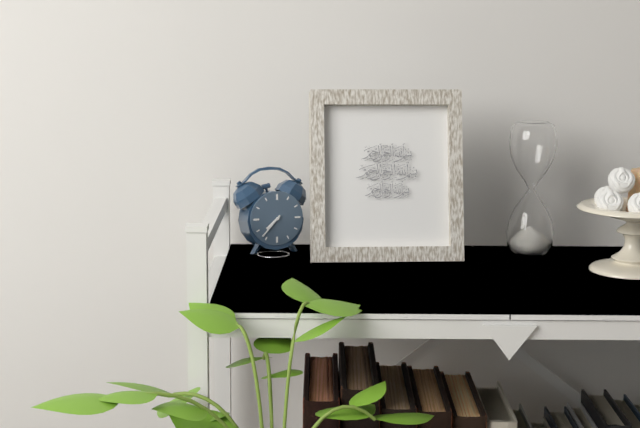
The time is 7:37
